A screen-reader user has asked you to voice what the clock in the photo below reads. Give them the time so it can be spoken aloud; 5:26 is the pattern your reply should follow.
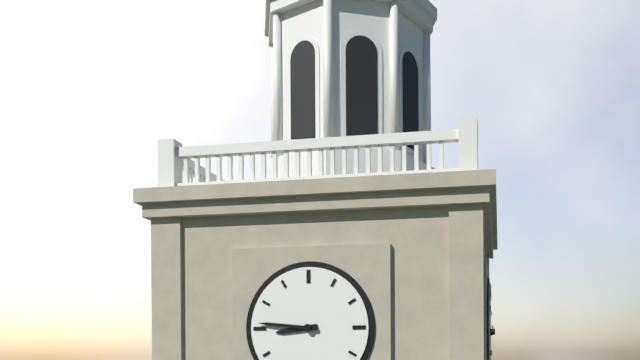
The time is 8:46
